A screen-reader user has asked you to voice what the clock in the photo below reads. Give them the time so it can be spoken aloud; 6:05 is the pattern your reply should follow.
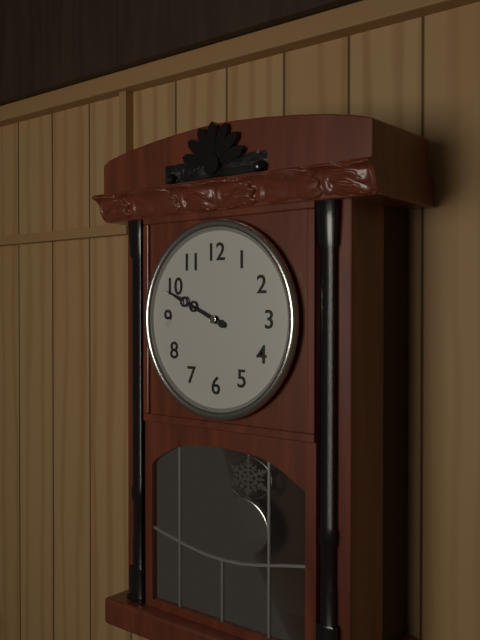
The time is 9:49
